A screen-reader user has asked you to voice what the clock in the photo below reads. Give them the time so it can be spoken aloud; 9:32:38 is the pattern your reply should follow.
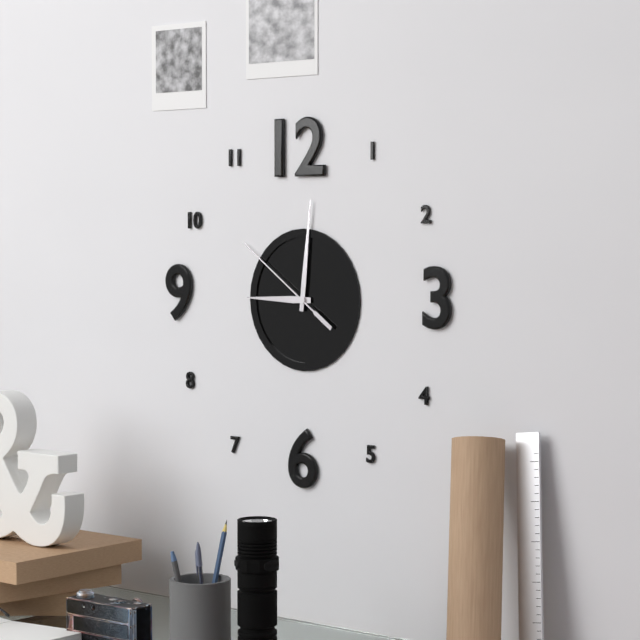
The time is 9:01:51
